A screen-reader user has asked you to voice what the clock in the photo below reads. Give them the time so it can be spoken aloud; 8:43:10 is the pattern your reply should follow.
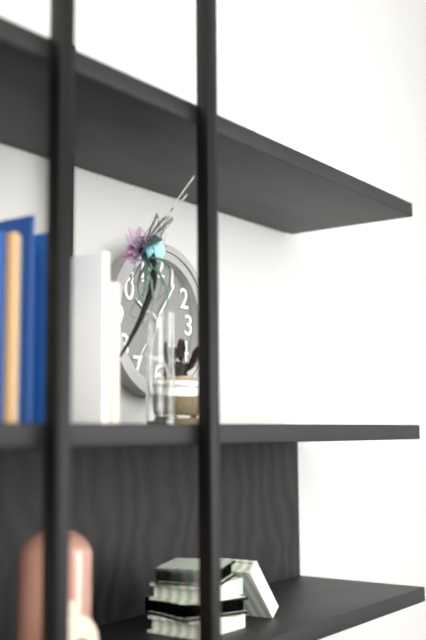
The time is 10:06:36
